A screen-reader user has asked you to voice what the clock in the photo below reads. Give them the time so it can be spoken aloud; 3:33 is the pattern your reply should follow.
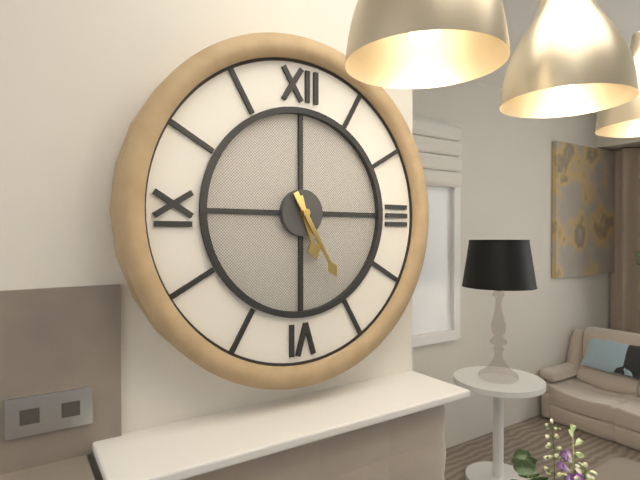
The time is 5:25
